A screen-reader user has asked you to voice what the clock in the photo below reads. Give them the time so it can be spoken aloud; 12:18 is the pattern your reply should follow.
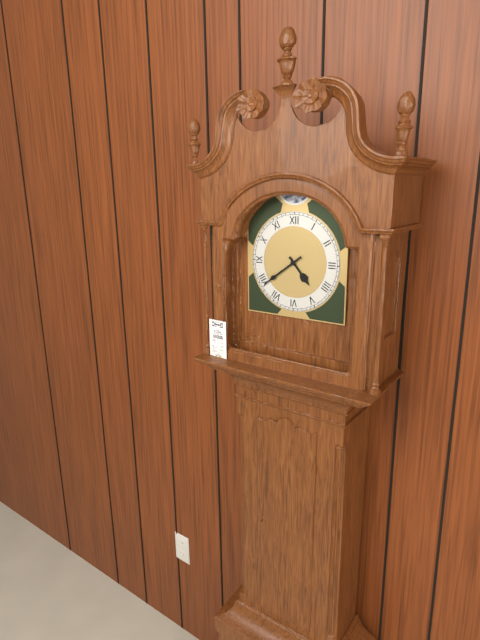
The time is 4:39
